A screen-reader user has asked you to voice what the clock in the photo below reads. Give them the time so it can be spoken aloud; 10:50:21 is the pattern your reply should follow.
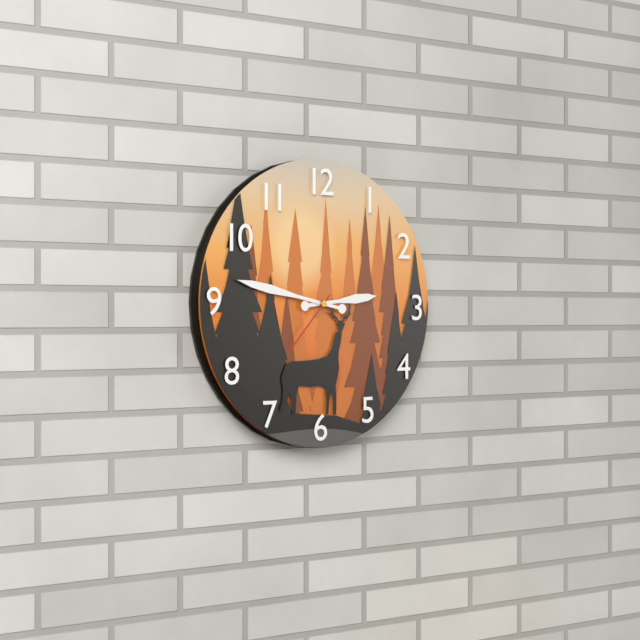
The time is 2:47:37
